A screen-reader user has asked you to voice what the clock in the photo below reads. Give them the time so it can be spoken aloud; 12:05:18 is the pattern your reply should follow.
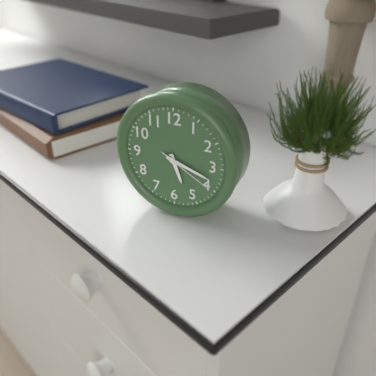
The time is 5:18:20
